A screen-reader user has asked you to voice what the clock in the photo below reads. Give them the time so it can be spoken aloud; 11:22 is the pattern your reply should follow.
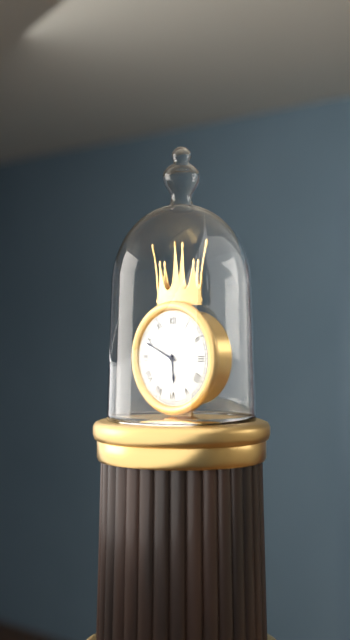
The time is 5:49
